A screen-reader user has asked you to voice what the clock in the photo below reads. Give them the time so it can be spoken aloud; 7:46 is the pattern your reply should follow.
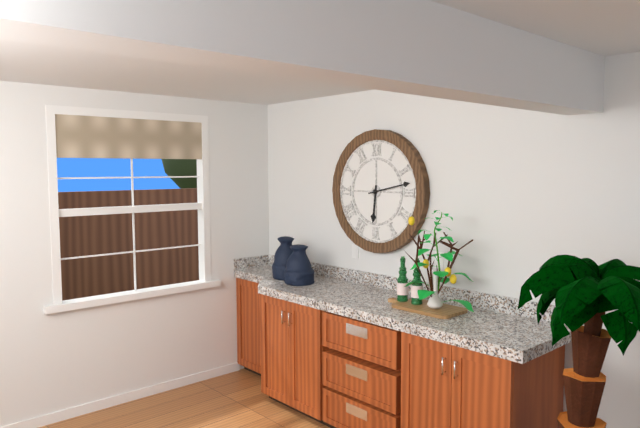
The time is 6:13
